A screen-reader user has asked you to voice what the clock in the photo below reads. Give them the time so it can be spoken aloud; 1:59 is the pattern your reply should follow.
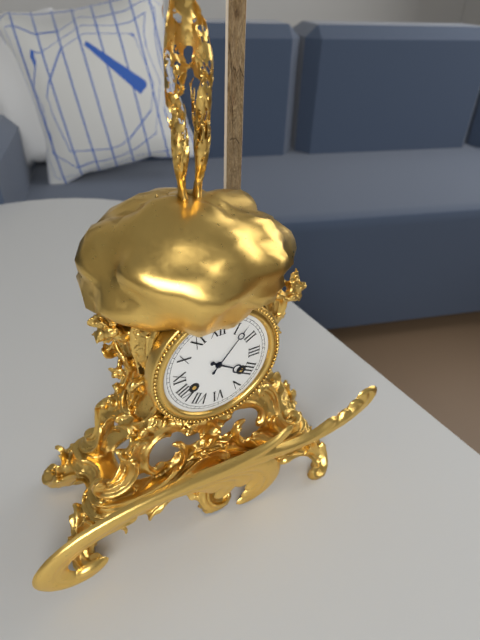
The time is 4:07
